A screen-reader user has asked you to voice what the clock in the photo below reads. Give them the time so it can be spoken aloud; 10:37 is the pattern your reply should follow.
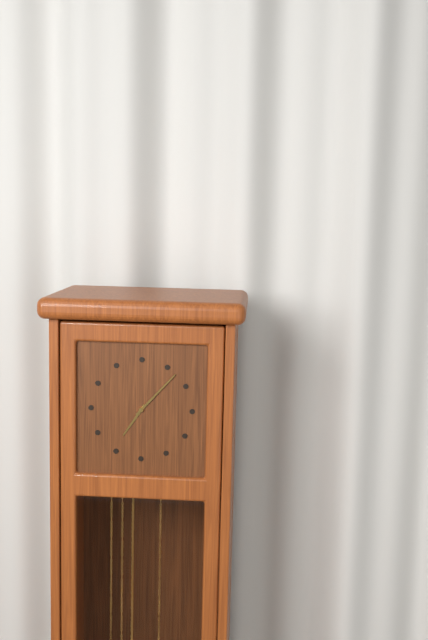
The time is 7:07
